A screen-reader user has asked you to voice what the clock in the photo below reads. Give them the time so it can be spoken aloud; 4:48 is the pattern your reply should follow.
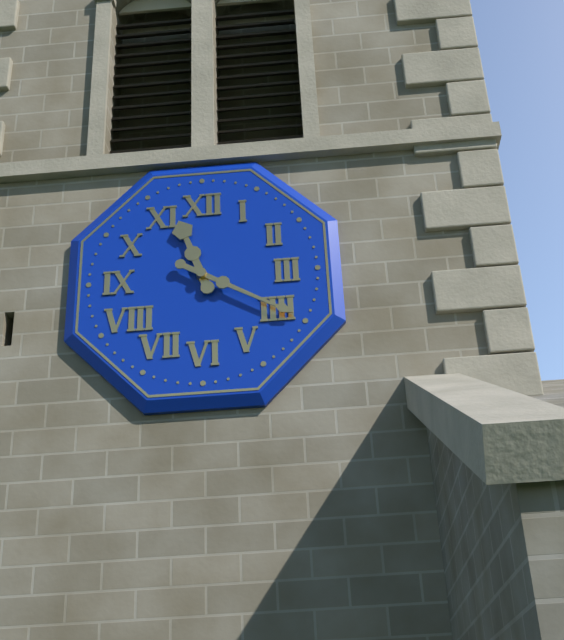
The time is 11:20
